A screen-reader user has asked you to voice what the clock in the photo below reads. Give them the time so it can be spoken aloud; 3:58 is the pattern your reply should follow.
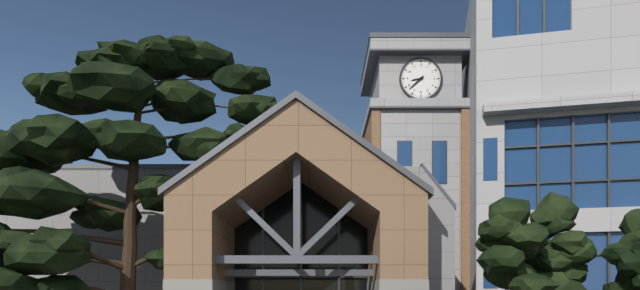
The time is 8:38
